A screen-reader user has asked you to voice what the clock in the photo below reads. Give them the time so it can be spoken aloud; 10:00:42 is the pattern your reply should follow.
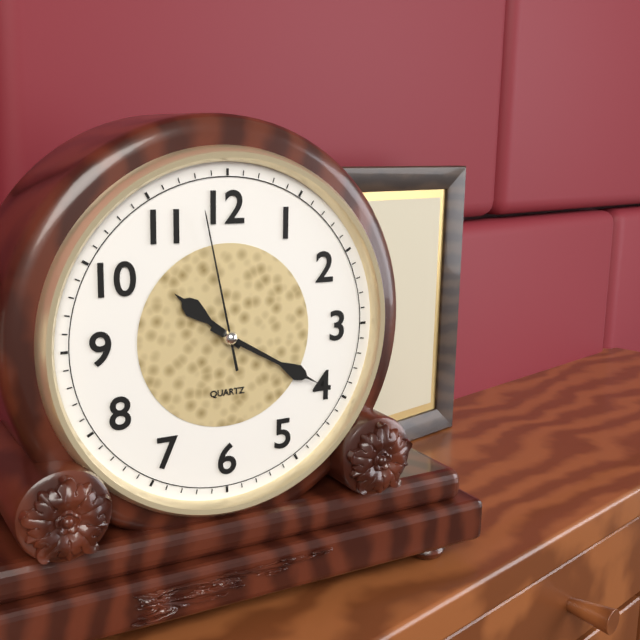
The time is 10:20:58
